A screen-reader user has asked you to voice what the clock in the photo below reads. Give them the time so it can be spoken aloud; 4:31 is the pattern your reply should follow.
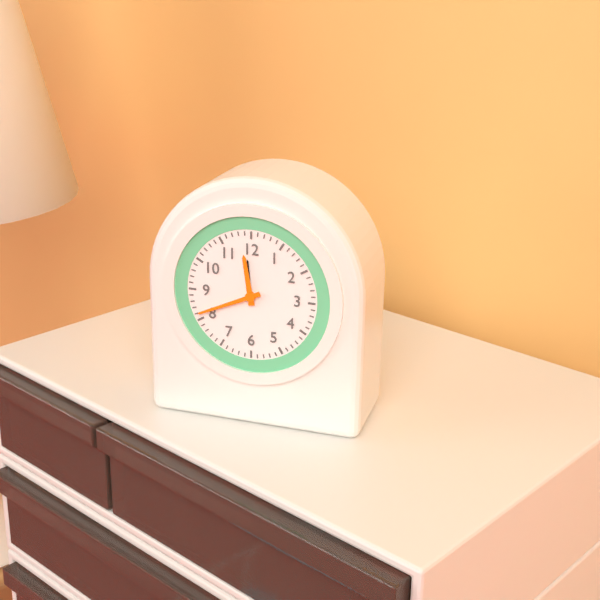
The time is 11:41
